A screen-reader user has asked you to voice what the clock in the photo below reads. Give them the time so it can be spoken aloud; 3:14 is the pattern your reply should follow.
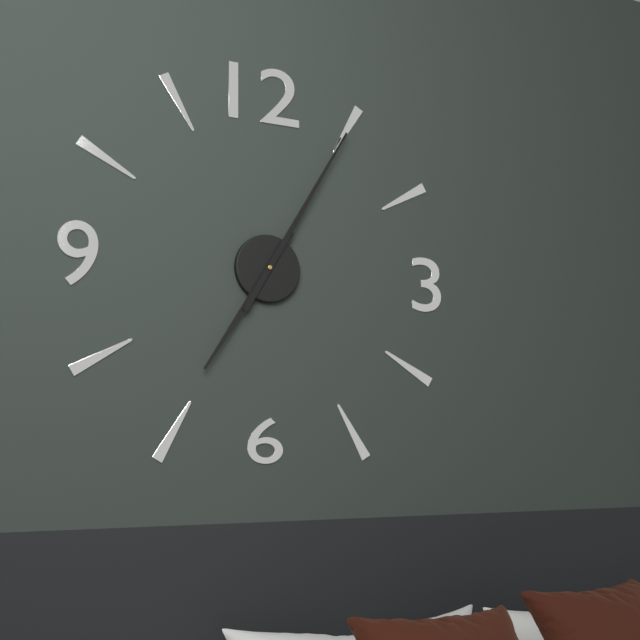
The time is 7:05
